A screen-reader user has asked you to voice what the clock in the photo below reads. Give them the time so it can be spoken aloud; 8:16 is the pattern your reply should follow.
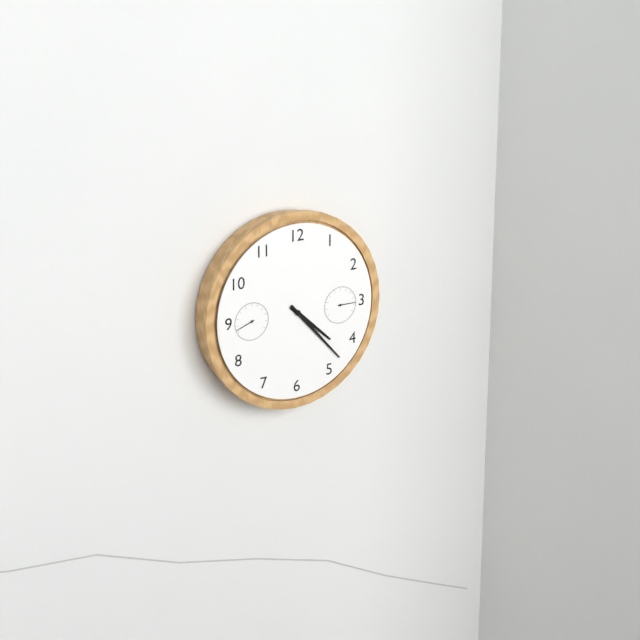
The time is 4:23
